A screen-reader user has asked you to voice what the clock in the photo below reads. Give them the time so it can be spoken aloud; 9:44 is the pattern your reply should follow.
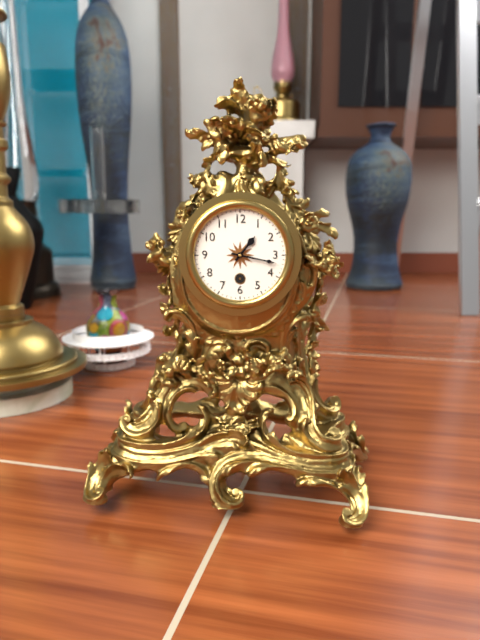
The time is 1:17
